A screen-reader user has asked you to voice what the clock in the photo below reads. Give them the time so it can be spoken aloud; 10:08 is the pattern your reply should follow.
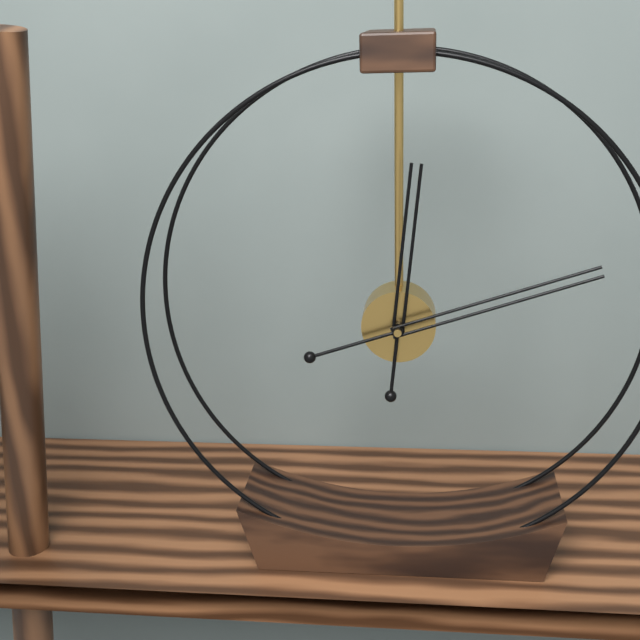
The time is 12:12
